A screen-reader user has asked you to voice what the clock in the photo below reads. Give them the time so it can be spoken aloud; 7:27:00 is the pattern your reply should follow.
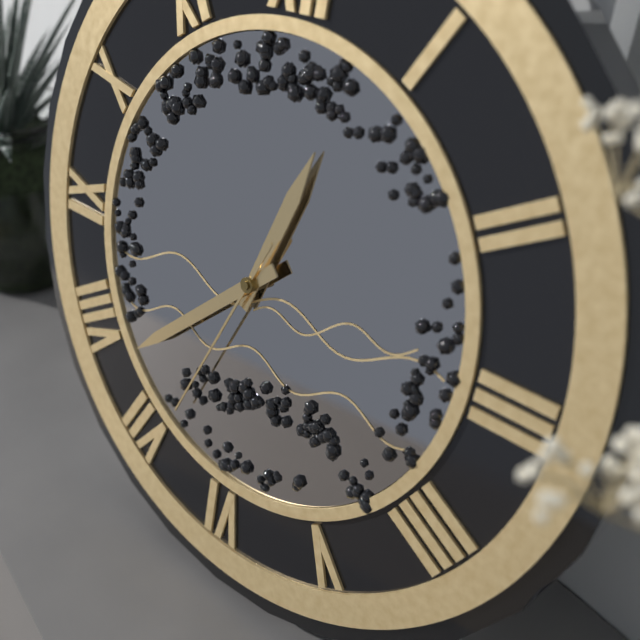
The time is 12:38:34
